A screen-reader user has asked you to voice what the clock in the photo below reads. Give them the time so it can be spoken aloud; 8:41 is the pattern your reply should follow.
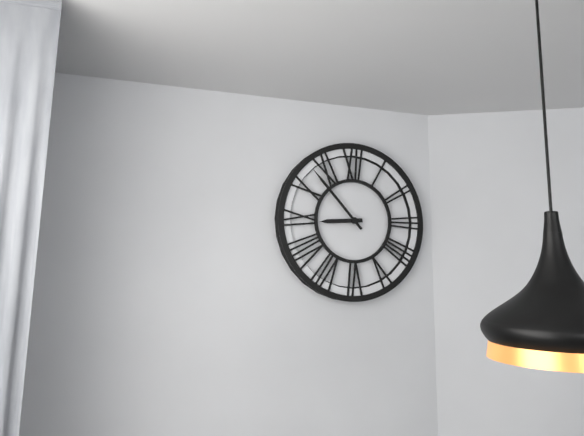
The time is 8:53
